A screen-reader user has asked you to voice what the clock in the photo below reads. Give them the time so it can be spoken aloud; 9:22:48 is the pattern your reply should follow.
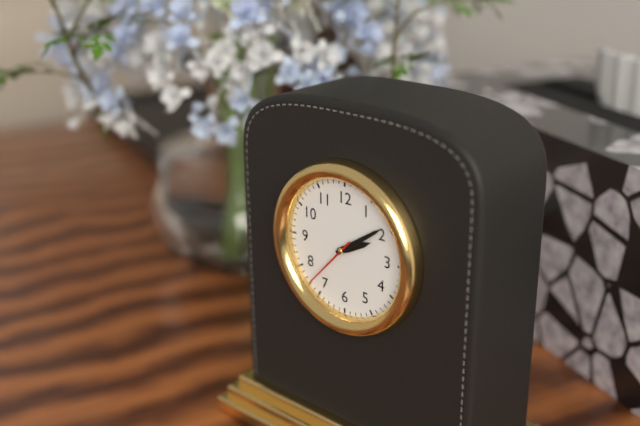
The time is 2:09:37
